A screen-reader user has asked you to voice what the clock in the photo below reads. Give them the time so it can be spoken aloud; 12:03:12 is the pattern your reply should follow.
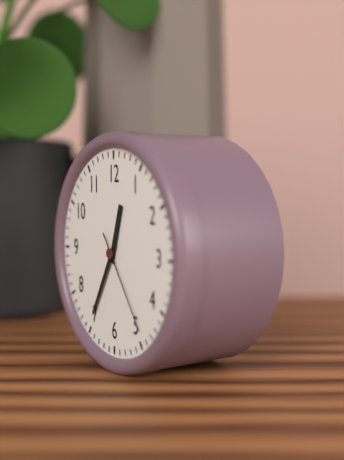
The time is 12:35:24
